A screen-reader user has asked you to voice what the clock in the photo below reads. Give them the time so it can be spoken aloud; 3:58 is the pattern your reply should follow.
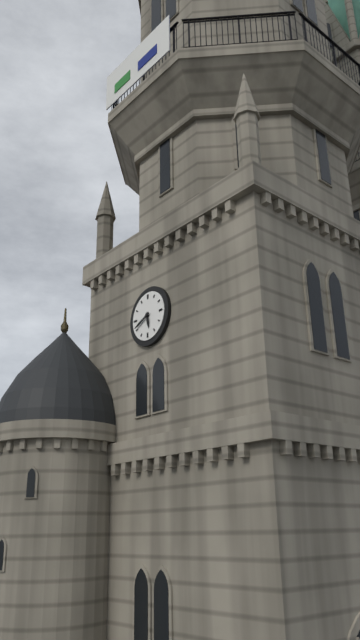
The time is 5:41
